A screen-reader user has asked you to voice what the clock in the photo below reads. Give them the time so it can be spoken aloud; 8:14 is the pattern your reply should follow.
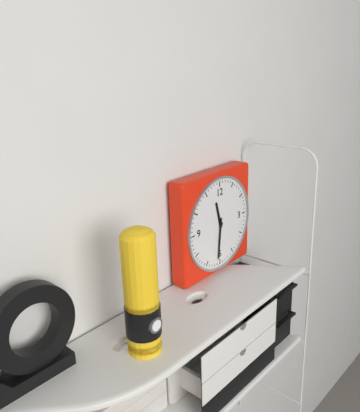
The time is 11:31
